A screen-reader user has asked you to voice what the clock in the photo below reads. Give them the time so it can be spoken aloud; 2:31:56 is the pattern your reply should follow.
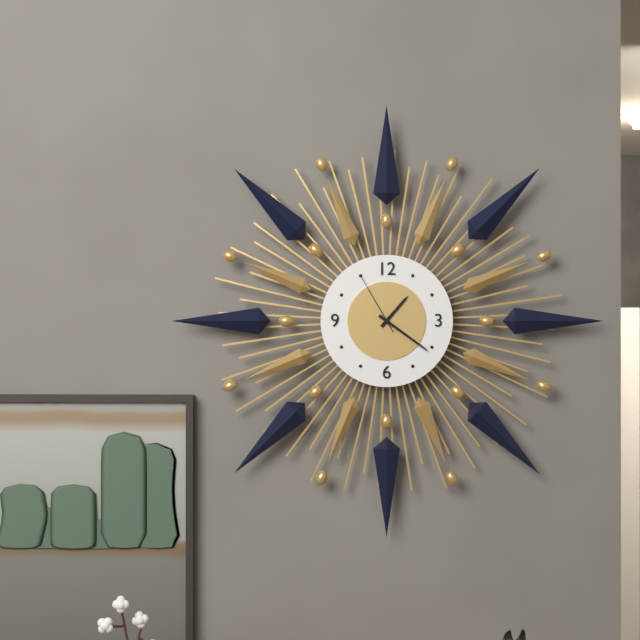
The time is 1:21:55
